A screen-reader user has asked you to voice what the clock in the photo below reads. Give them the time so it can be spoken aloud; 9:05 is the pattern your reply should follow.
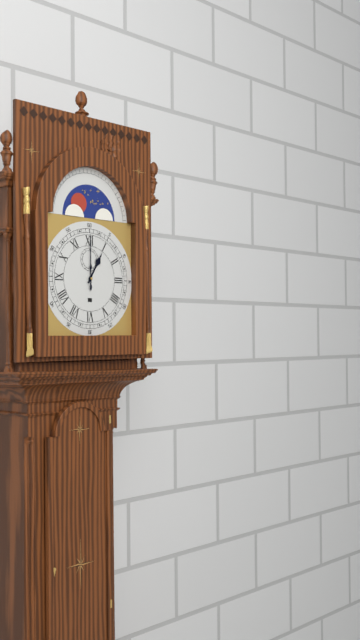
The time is 1:00
